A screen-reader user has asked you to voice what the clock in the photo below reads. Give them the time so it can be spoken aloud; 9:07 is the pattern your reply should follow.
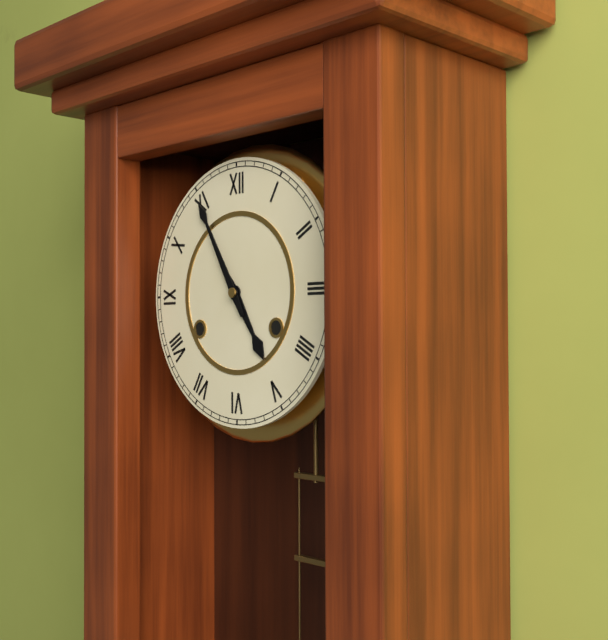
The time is 4:55
